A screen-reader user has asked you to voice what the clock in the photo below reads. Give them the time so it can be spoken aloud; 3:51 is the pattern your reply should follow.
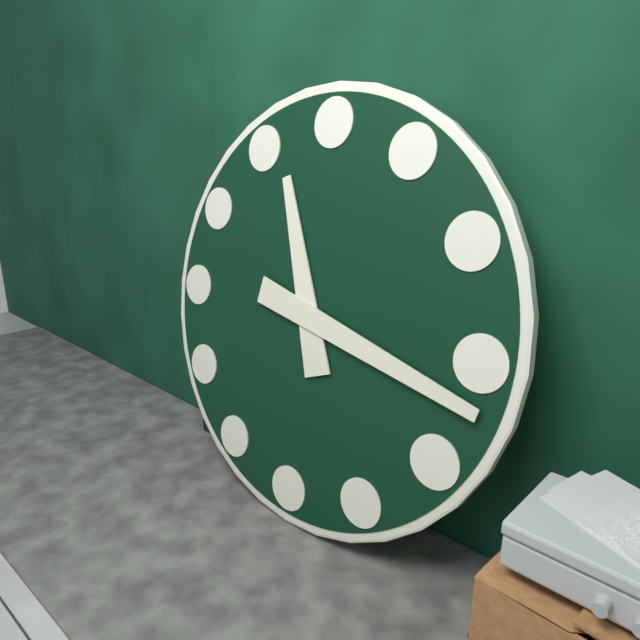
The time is 11:17
